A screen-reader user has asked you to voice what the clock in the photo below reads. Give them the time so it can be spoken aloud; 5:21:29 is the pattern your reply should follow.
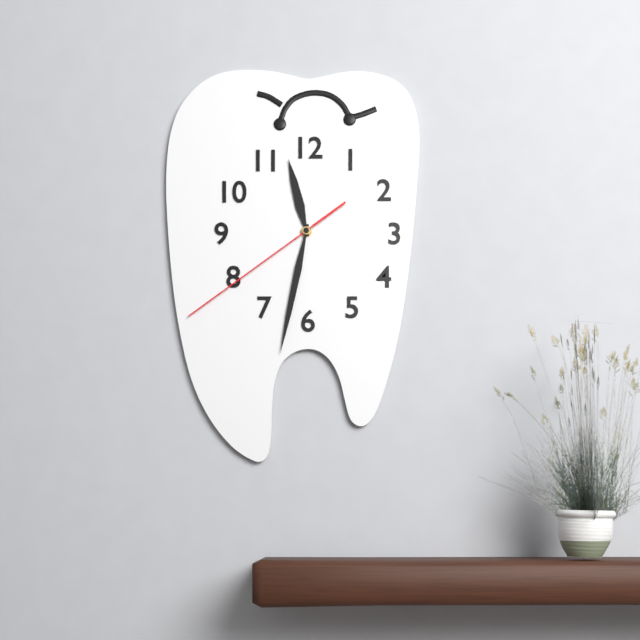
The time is 11:32:39
